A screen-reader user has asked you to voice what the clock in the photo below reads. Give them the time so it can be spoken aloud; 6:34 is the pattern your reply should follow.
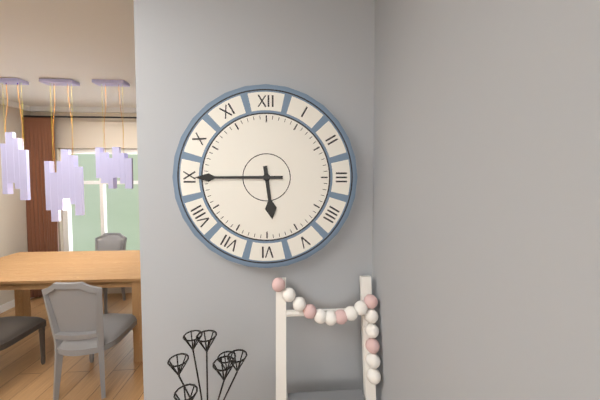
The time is 5:45
